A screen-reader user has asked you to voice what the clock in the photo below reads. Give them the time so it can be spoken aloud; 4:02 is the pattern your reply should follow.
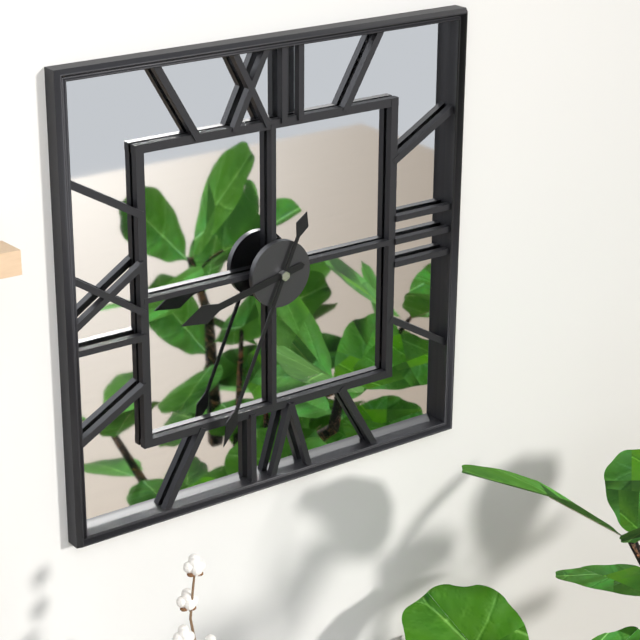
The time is 8:34
